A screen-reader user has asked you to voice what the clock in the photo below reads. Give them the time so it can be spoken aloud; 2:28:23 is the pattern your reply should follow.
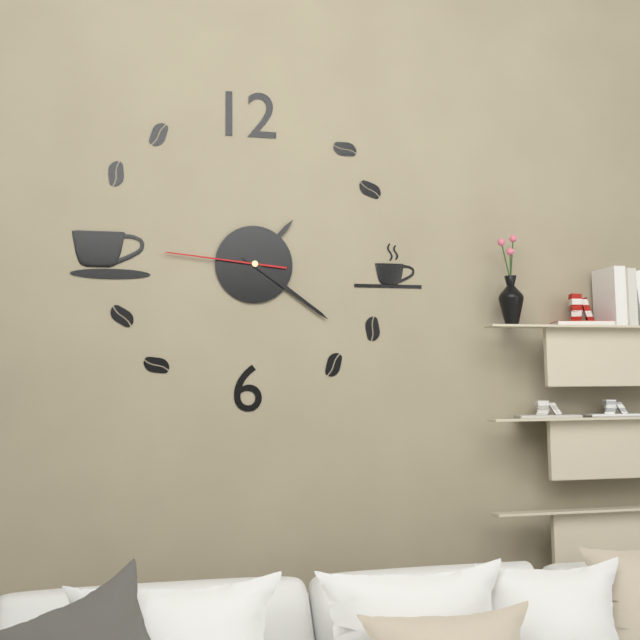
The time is 1:21:46
